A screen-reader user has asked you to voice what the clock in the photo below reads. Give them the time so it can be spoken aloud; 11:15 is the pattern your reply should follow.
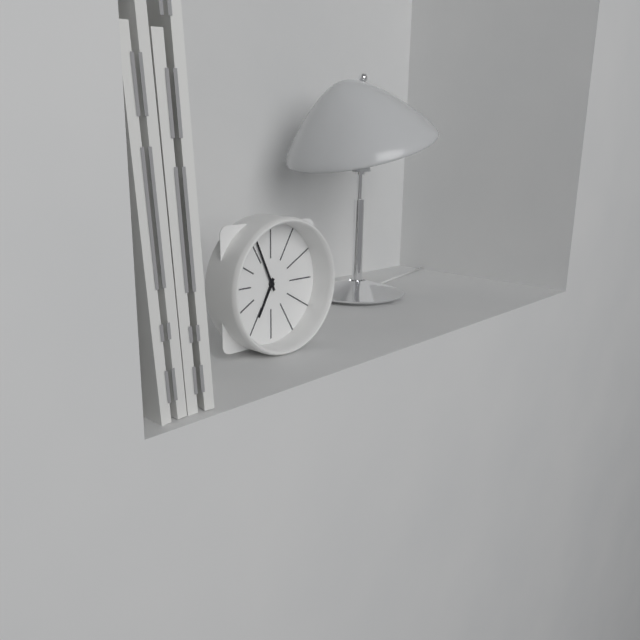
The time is 6:56
